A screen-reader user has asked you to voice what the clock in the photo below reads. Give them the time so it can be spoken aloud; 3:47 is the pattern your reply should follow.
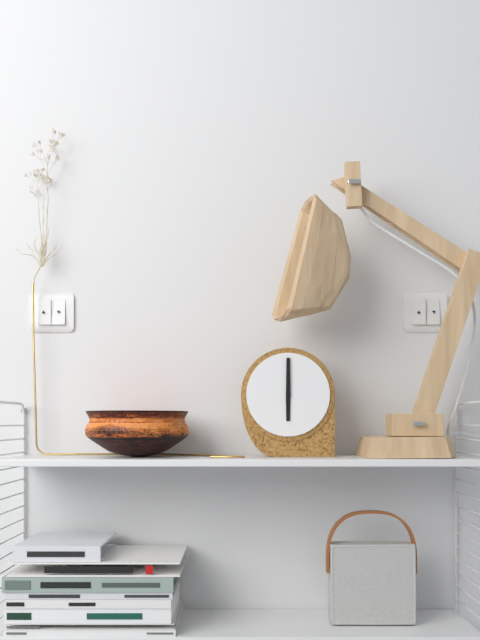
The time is 6:00
